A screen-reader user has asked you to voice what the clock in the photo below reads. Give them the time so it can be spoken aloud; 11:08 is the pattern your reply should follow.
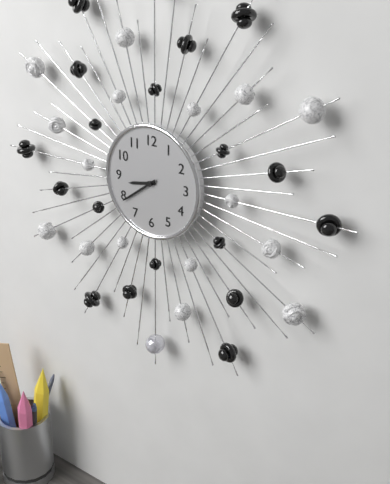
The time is 8:39
